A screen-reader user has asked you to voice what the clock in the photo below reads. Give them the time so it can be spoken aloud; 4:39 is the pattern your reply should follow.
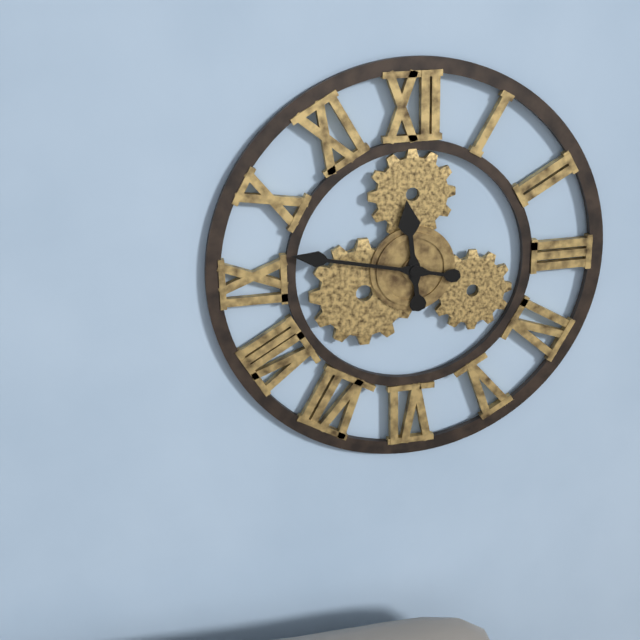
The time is 11:47
